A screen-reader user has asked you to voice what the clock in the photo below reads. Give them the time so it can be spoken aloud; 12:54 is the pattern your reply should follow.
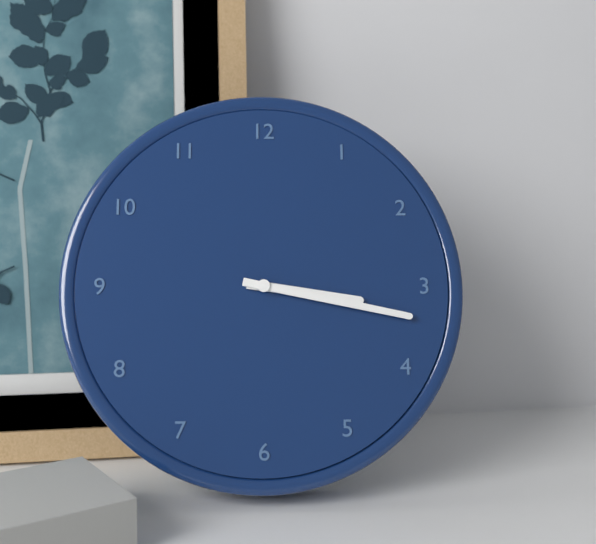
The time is 3:17
